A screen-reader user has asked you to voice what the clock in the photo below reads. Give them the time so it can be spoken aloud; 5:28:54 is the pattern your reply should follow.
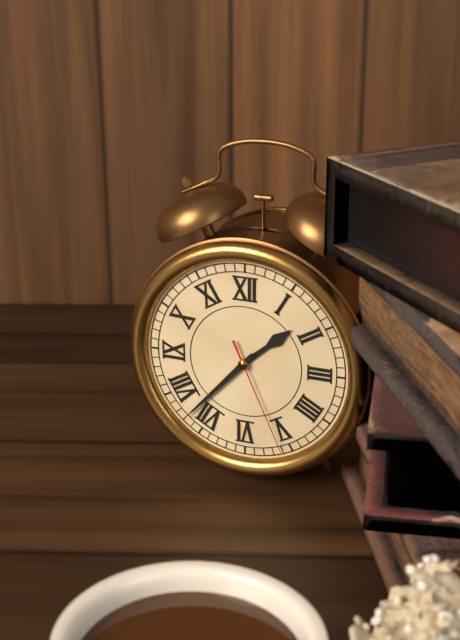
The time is 1:37:26
